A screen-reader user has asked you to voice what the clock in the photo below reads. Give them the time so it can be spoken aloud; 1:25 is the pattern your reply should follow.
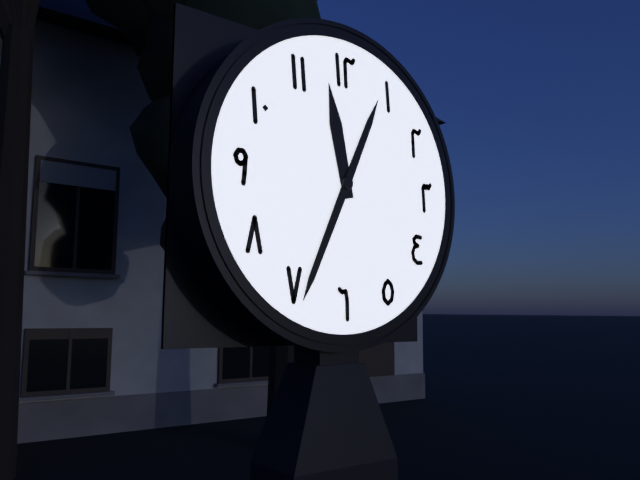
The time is 11:34
